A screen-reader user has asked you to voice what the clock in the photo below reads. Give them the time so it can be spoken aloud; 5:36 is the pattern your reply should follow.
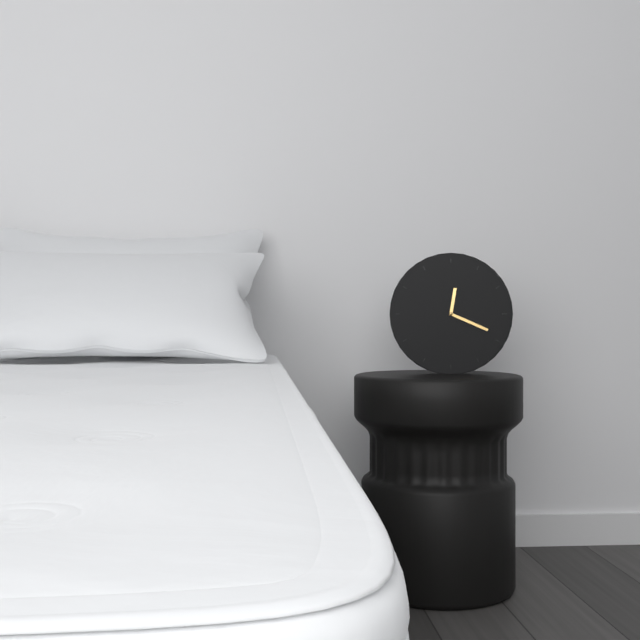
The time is 12:19
